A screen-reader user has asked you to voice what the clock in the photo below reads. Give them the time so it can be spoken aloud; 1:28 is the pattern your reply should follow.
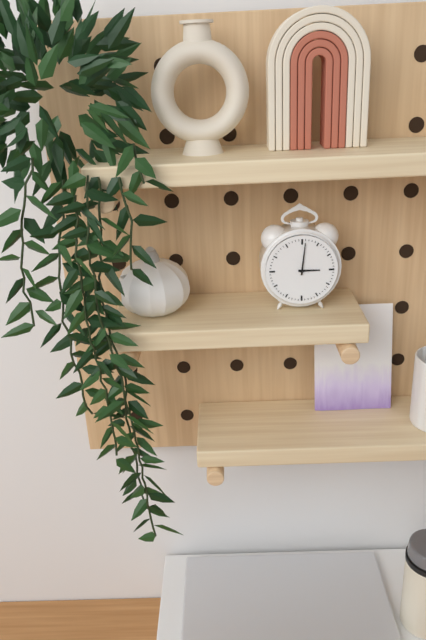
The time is 3:01
